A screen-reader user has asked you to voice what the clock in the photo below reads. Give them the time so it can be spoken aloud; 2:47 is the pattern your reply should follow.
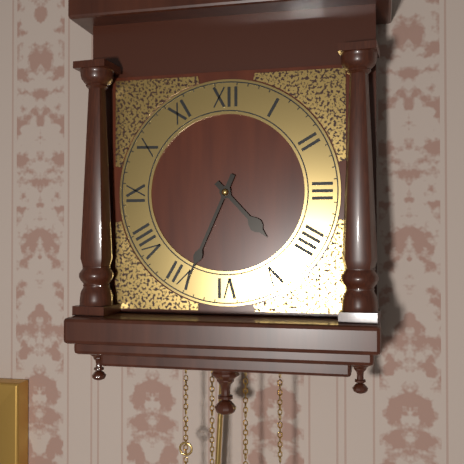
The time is 4:34
